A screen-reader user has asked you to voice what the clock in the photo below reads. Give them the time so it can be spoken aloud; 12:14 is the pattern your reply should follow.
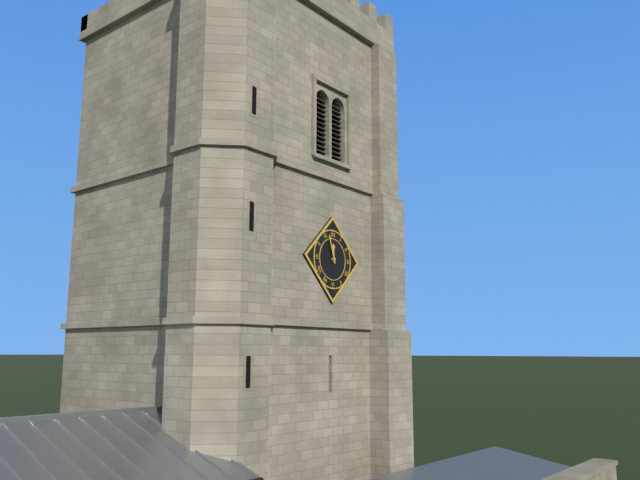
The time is 11:57
